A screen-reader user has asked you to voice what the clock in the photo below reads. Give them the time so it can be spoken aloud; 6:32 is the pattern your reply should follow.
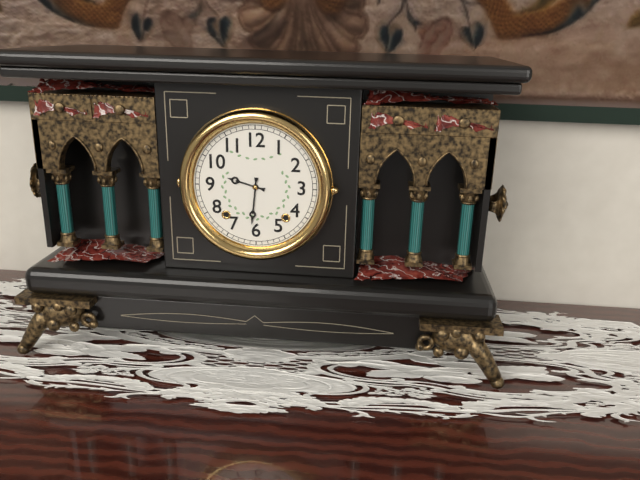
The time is 9:31
